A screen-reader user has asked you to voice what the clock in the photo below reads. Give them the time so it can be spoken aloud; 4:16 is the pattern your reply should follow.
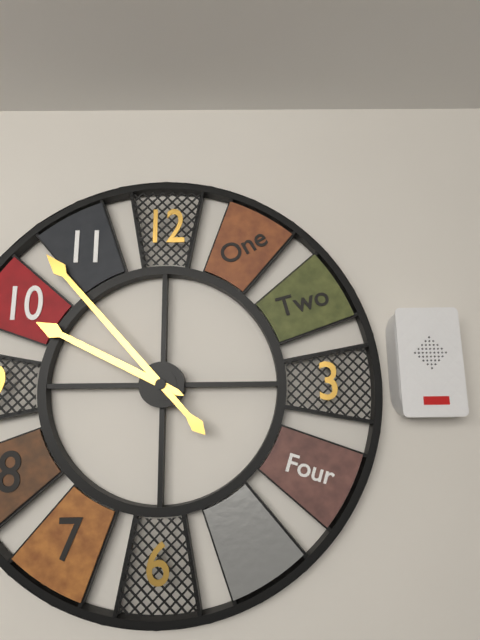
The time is 9:53
